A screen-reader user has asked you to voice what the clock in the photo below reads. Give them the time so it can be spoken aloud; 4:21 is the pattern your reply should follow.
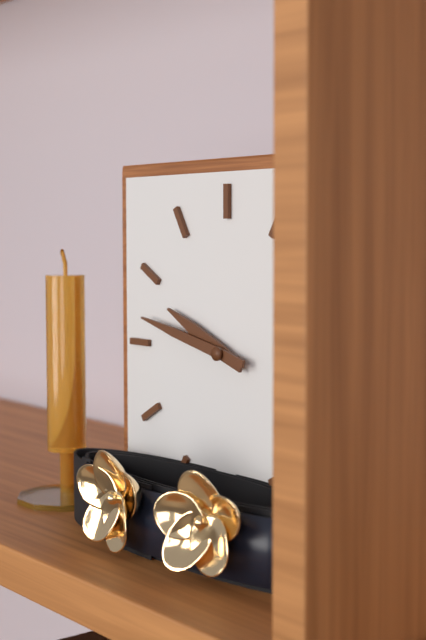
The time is 9:47
